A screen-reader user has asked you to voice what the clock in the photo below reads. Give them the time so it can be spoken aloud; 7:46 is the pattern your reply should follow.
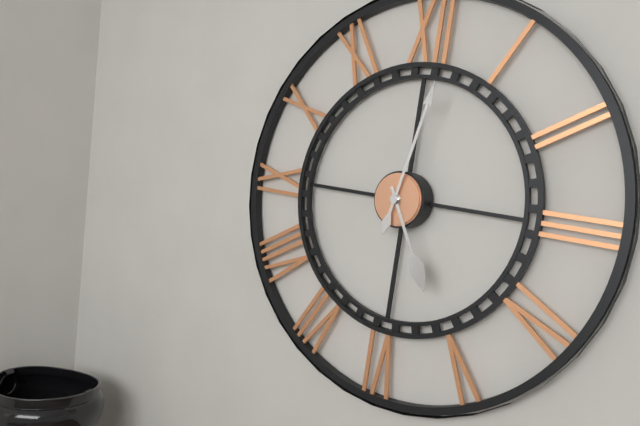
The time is 5:02
